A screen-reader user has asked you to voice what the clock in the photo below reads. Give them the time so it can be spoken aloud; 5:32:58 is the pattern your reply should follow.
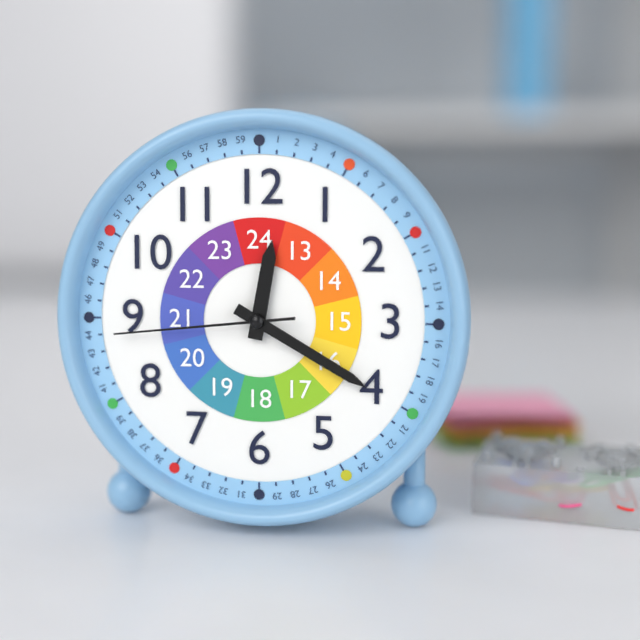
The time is 12:20:44
